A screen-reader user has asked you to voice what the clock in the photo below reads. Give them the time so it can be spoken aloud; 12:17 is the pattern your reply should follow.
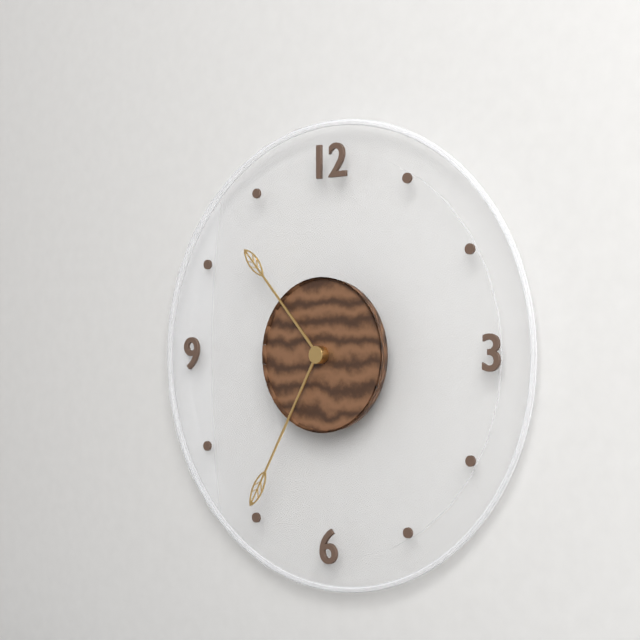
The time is 10:35
